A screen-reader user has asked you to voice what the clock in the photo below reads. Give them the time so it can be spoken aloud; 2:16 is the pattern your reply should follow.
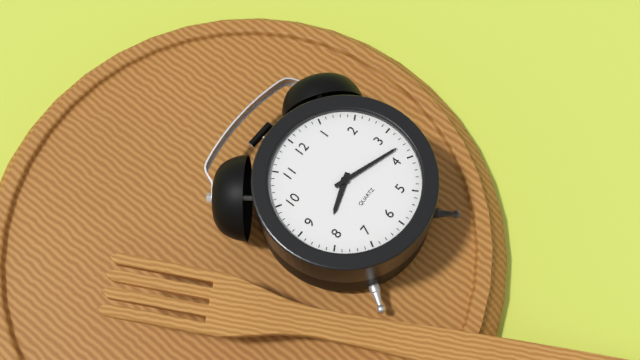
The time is 8:18
